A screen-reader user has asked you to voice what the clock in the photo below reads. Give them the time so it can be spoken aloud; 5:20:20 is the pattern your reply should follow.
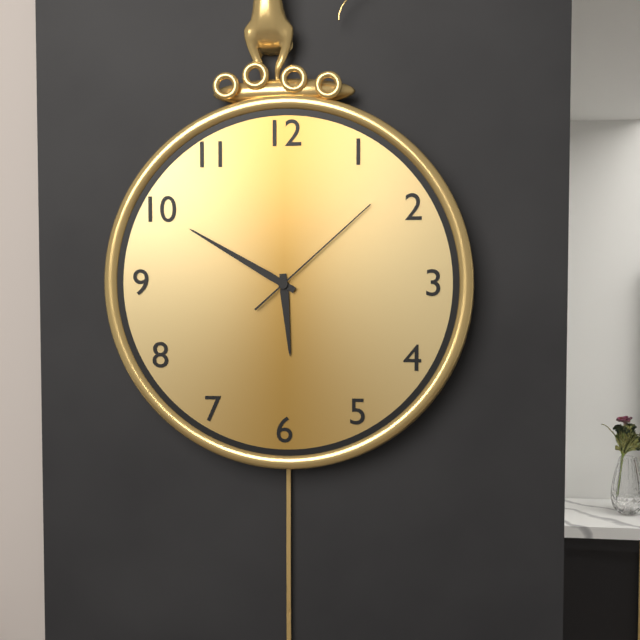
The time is 5:50:08
